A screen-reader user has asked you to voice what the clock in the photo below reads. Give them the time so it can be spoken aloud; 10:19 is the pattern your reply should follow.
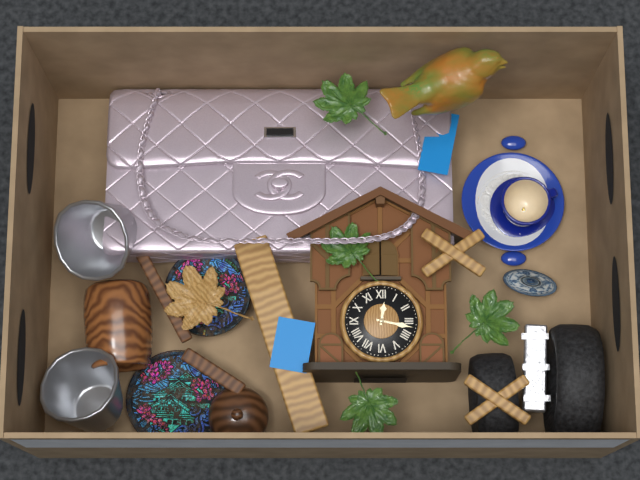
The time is 12:17
